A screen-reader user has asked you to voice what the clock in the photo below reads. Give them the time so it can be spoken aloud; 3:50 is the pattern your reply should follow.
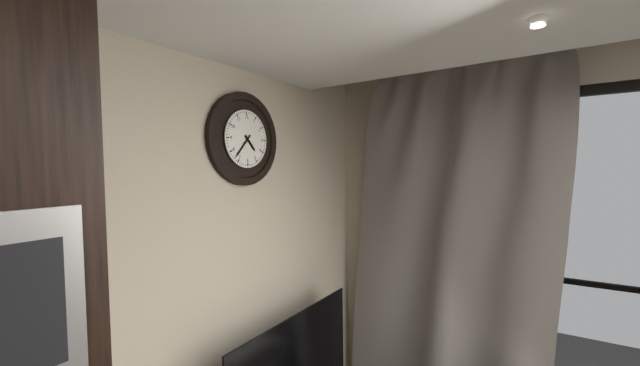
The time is 4:37
